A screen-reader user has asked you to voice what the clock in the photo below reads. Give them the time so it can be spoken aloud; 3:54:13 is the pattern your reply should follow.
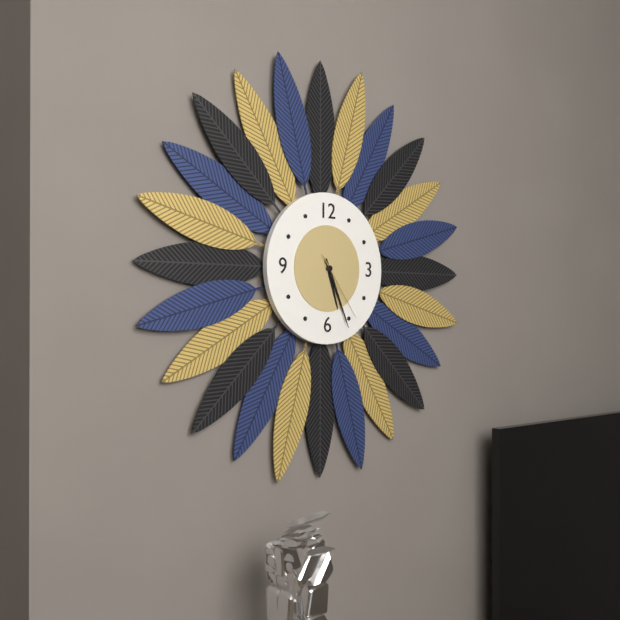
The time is 5:26:24
